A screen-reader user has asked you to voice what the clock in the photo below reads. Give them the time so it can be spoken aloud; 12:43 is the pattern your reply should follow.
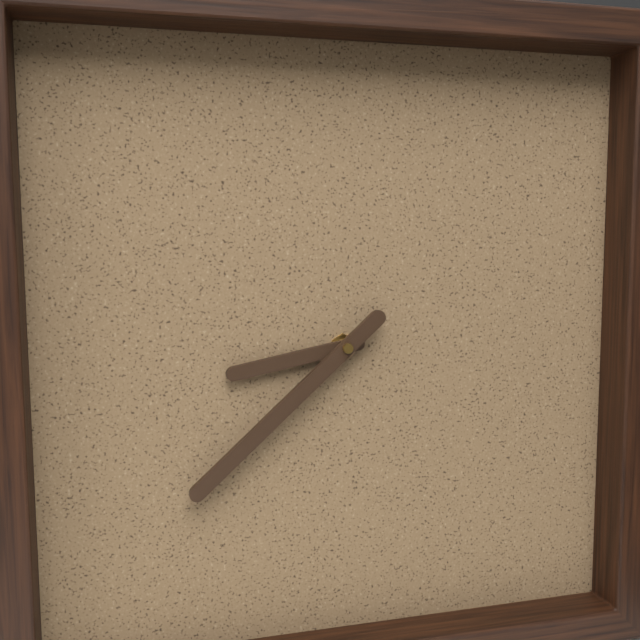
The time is 8:38
